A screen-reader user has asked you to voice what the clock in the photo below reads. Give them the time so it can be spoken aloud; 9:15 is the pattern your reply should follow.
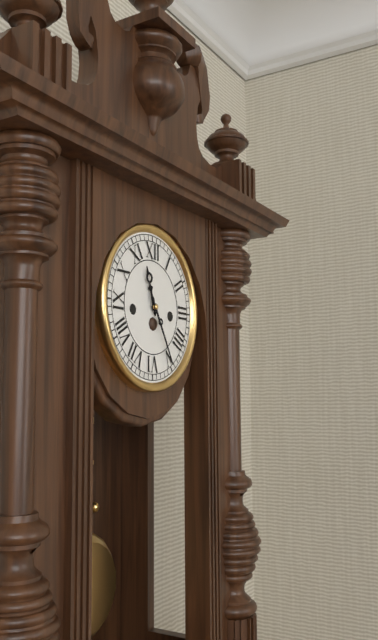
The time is 11:25
